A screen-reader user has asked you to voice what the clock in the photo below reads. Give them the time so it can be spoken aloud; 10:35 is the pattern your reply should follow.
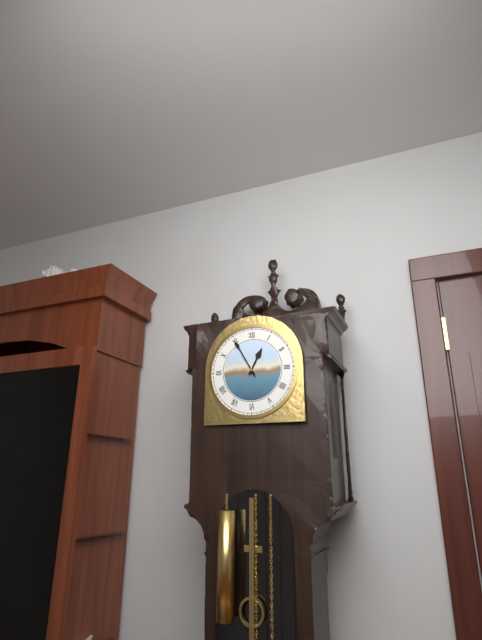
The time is 12:55
